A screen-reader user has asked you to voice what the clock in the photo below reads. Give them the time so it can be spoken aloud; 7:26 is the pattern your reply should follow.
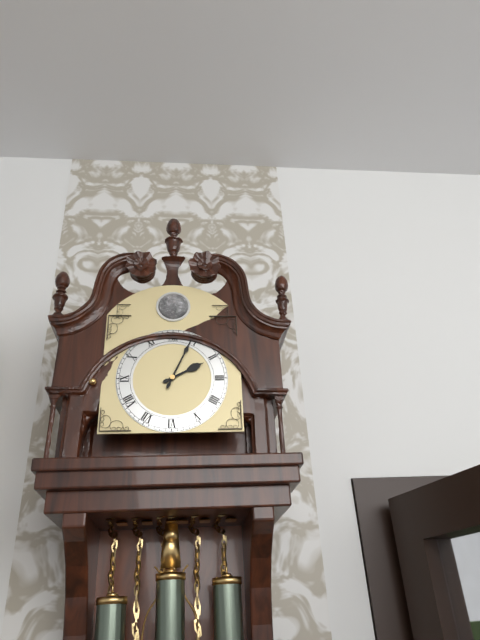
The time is 2:04
